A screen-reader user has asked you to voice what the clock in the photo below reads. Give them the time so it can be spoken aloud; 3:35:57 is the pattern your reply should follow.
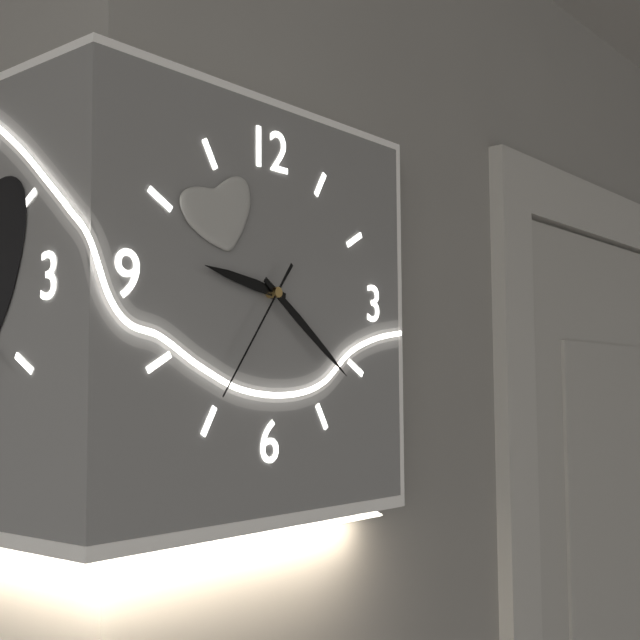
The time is 9:21:36
